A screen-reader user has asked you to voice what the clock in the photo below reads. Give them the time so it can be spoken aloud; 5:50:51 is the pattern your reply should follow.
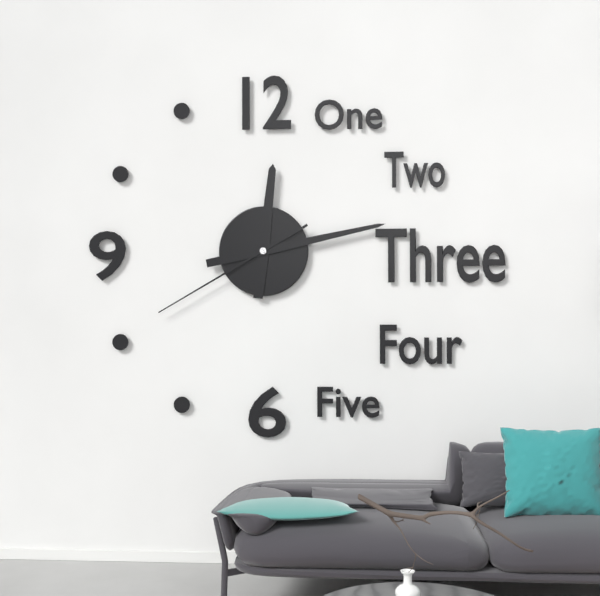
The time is 12:13:40
